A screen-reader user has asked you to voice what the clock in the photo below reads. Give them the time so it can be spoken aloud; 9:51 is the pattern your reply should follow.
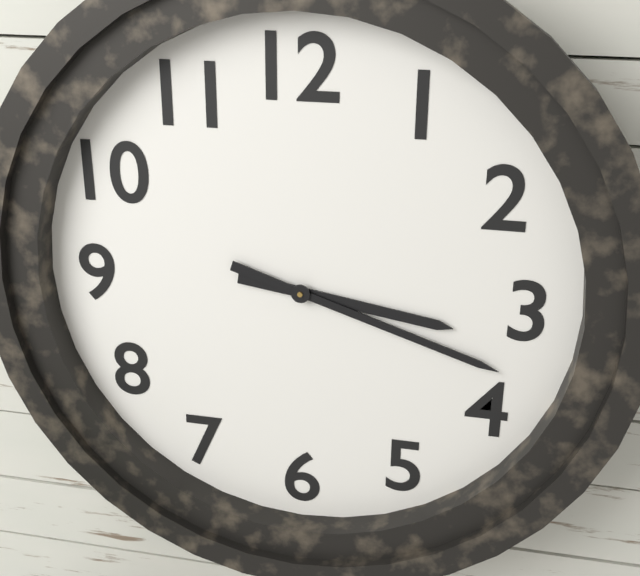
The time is 3:18
